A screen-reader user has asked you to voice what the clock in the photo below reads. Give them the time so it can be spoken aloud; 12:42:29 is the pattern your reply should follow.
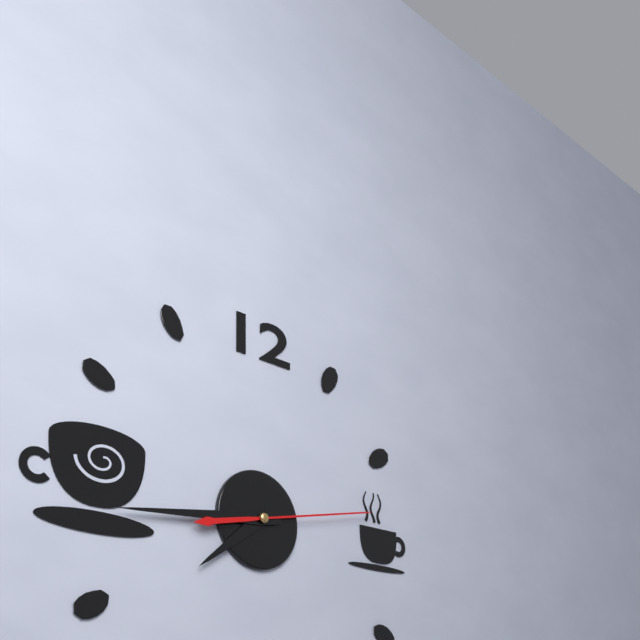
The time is 7:44:13
